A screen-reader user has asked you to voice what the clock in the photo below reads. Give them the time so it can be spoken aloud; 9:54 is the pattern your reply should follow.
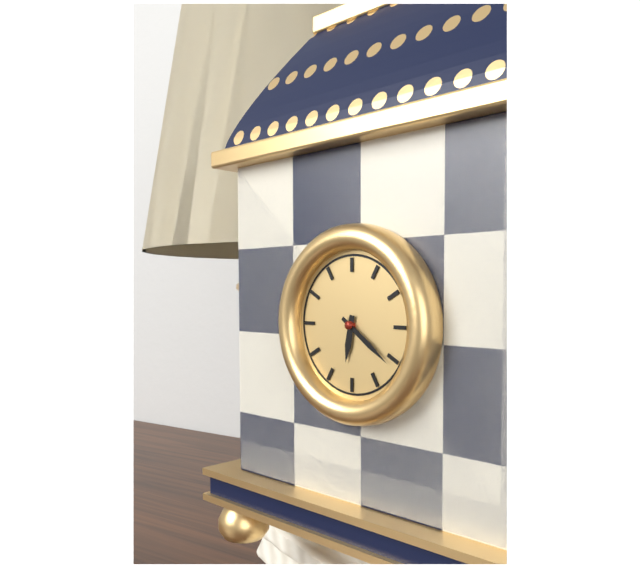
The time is 6:21
